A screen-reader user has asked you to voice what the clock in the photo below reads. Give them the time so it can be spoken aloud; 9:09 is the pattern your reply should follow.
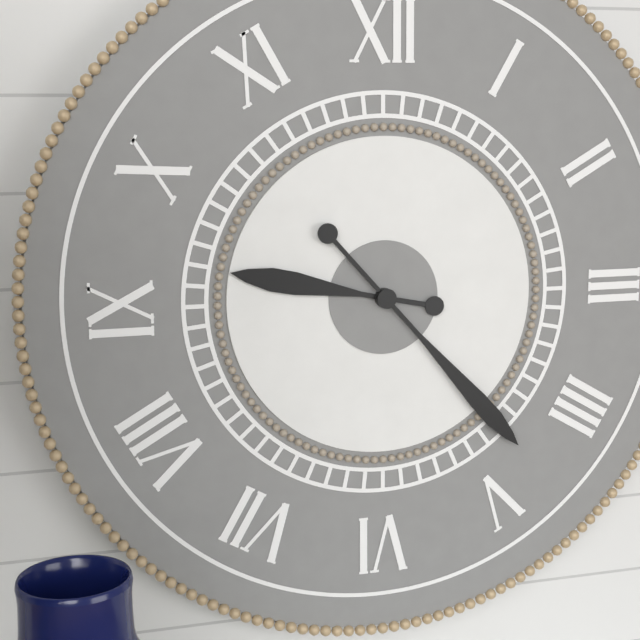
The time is 9:23
